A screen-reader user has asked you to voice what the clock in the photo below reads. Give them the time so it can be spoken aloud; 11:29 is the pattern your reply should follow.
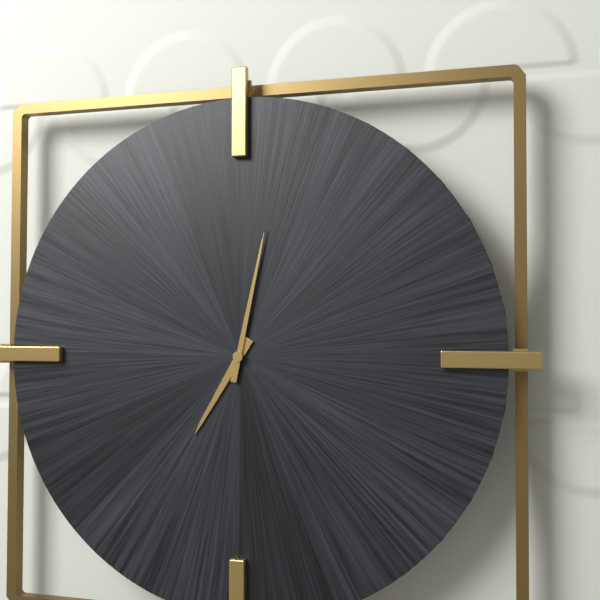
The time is 7:02
